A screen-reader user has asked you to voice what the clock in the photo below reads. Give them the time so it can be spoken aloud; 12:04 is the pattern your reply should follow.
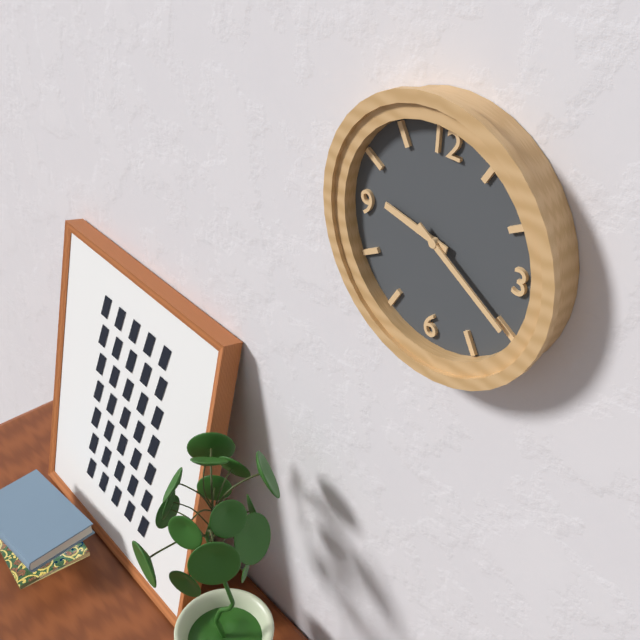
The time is 9:20
